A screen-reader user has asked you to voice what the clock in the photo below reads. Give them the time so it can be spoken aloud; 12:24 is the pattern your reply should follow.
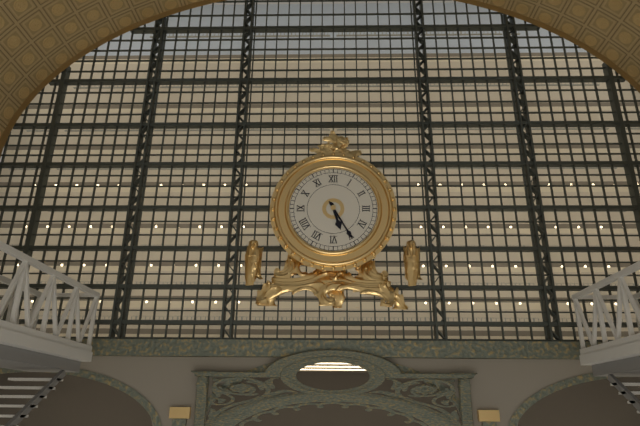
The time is 5:25
